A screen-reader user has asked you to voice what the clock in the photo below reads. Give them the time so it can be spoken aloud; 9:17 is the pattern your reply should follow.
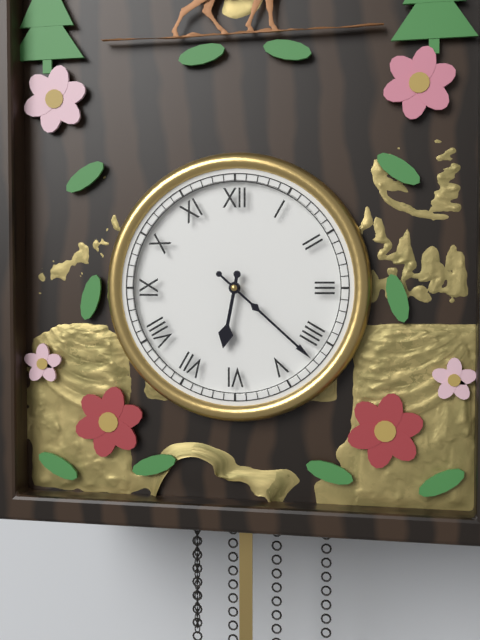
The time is 6:22
